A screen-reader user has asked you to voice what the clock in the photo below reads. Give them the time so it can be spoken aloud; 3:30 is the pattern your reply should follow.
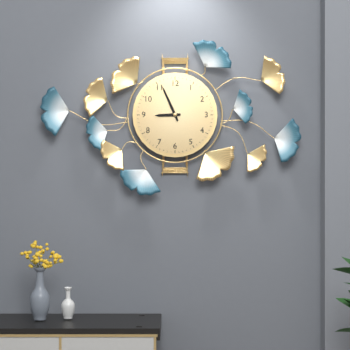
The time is 8:56
